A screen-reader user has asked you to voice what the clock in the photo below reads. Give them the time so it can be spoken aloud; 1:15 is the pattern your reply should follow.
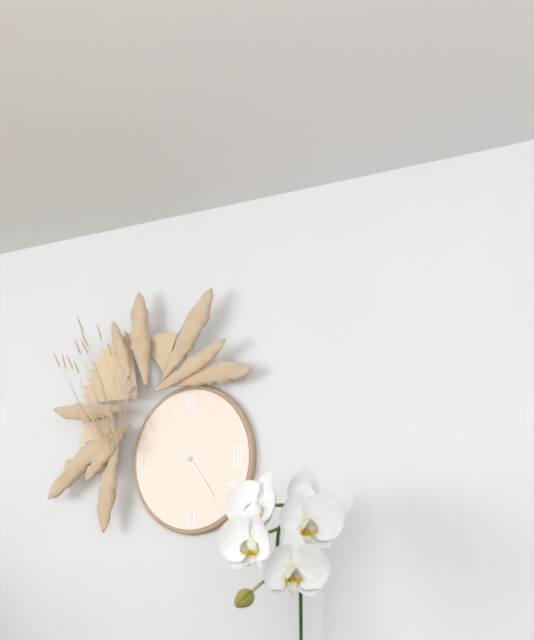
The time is 4:48
